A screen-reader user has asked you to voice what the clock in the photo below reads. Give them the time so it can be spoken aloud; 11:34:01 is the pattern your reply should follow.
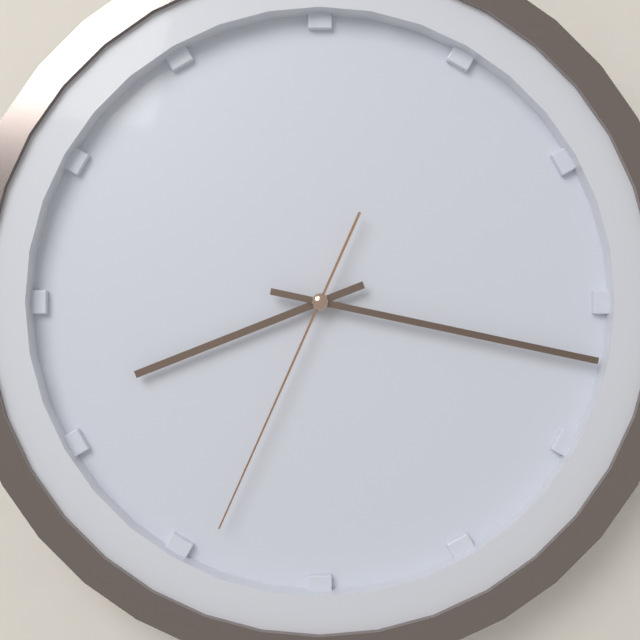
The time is 8:17:34
